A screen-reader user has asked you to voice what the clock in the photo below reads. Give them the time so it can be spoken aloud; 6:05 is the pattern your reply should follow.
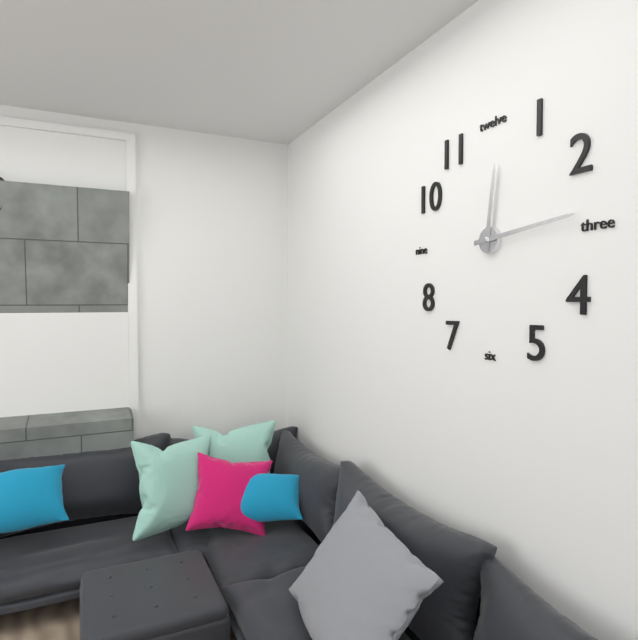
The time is 12:14
